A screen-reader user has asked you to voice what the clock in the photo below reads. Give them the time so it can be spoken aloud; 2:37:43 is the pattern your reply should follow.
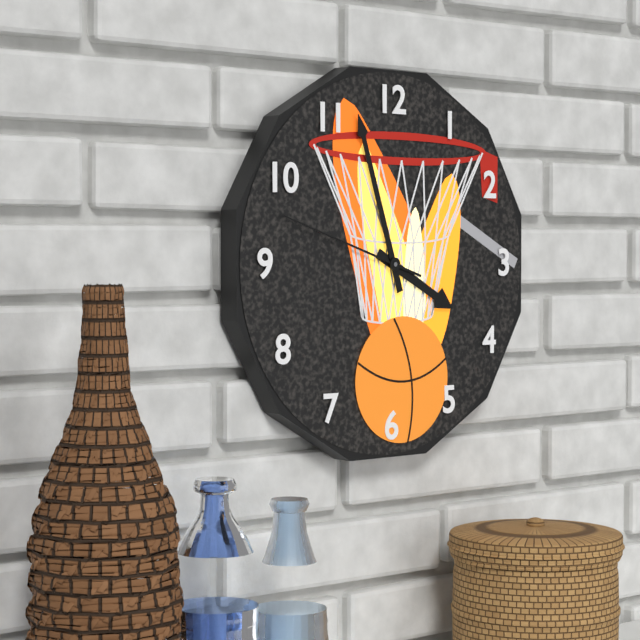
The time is 3:57:48
